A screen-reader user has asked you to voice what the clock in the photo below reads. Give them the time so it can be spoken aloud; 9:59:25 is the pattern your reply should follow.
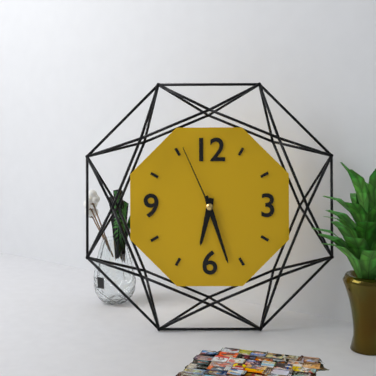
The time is 6:27:56
